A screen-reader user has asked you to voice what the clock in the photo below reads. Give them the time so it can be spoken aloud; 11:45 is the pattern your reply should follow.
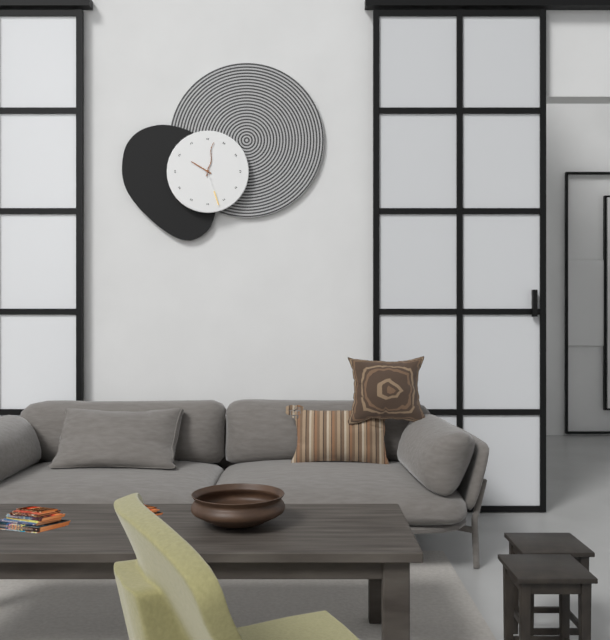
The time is 10:02
